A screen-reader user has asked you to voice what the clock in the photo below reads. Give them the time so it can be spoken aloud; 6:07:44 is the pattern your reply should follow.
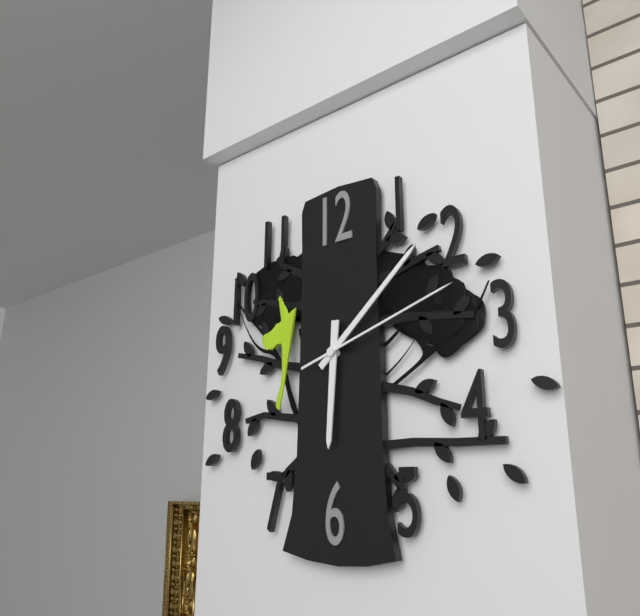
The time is 6:08:12
